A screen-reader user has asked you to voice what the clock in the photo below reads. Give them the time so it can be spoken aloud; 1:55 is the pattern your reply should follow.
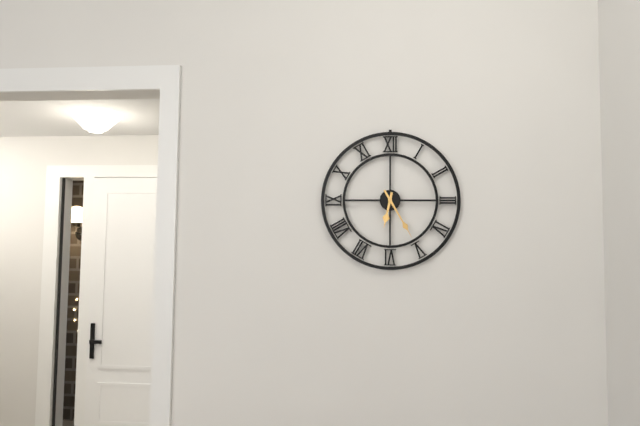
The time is 6:25
